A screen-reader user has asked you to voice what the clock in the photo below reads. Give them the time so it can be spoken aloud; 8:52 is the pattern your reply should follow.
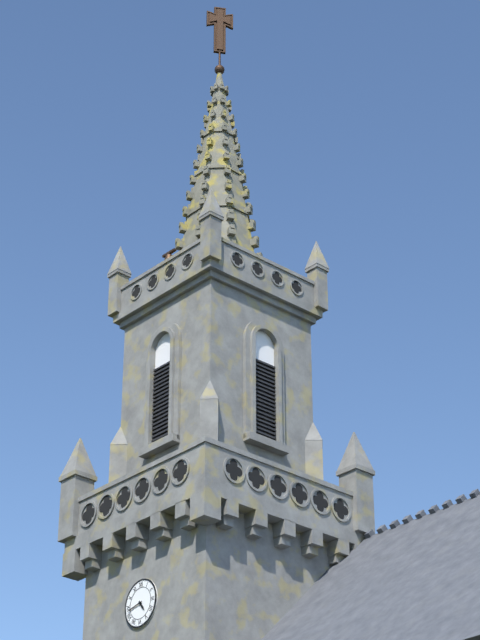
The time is 4:43
